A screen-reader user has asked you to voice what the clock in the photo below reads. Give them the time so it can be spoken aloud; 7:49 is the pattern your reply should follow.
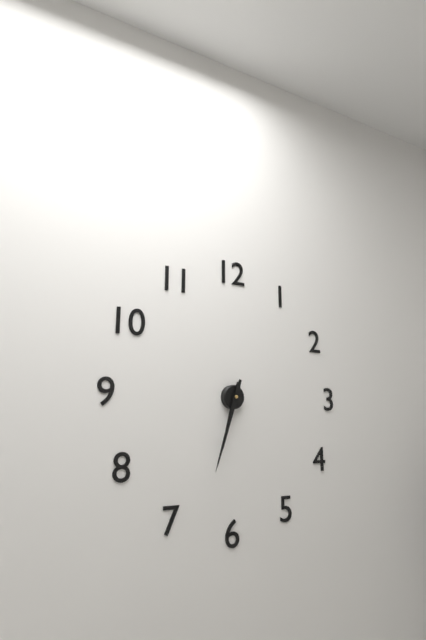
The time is 6:33
